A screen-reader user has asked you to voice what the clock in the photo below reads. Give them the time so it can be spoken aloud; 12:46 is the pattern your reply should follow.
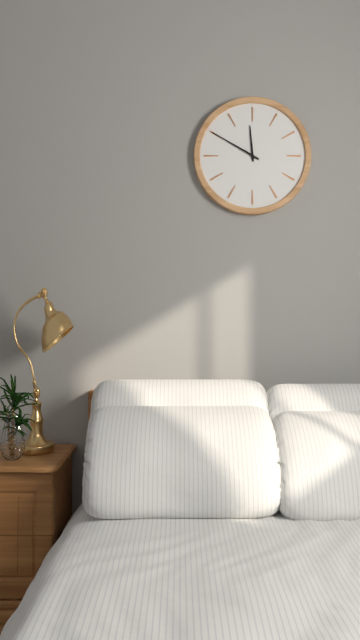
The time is 11:50
